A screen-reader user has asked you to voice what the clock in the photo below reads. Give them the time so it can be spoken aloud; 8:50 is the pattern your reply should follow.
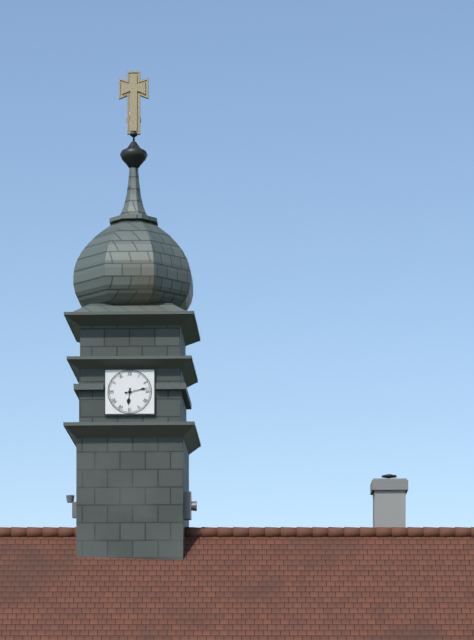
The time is 6:13
